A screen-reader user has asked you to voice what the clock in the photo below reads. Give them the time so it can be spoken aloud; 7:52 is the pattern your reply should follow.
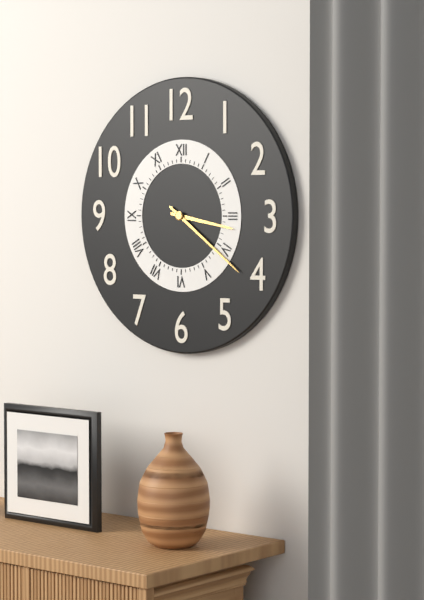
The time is 3:21
